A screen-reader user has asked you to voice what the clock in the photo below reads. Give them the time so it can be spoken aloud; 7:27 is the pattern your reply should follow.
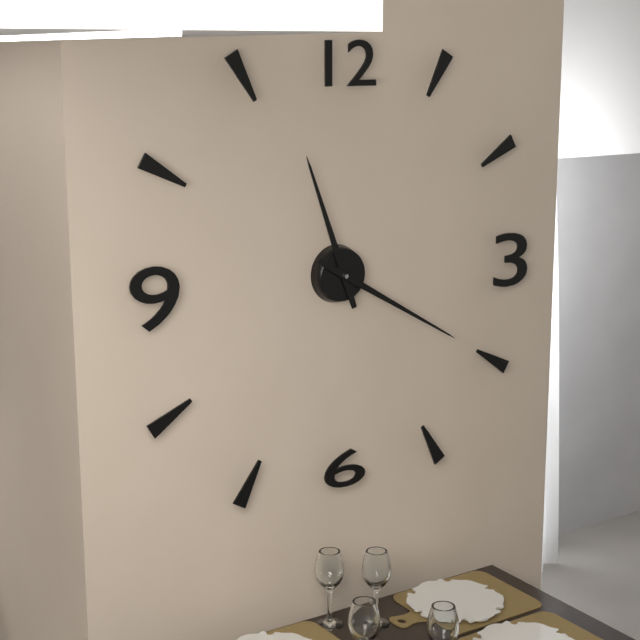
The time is 11:20
